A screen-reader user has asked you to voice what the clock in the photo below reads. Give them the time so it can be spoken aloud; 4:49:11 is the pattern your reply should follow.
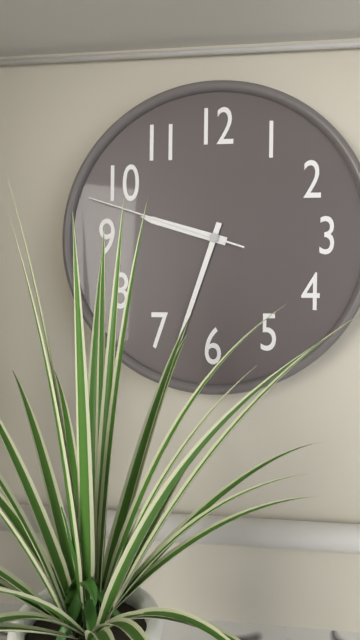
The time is 9:33:48
